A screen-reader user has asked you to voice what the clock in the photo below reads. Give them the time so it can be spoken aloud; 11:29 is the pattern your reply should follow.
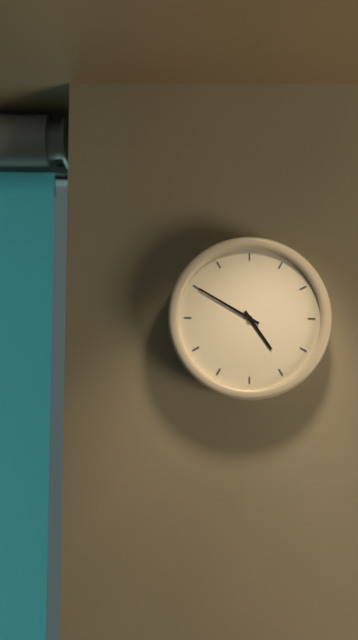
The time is 4:50
